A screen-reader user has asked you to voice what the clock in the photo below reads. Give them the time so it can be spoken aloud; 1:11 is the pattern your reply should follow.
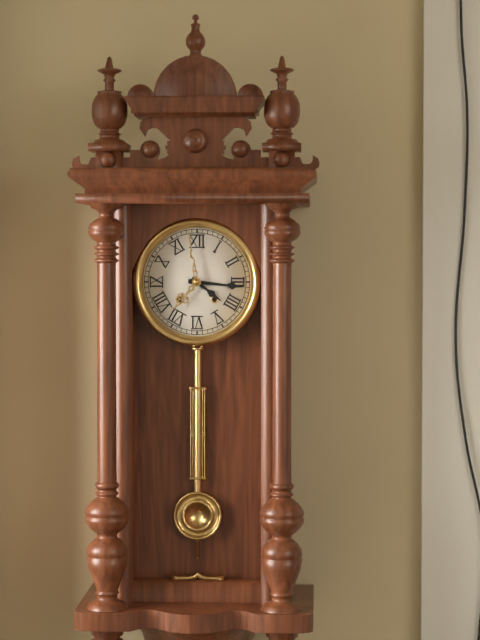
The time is 4:16
